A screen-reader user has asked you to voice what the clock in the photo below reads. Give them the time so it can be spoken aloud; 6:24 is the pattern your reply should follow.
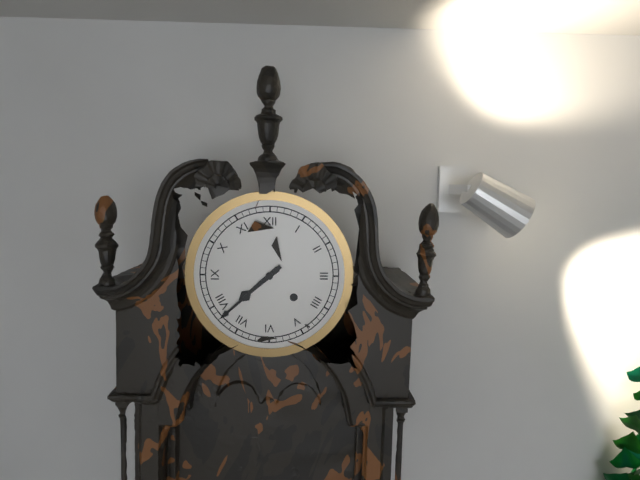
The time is 7:38
